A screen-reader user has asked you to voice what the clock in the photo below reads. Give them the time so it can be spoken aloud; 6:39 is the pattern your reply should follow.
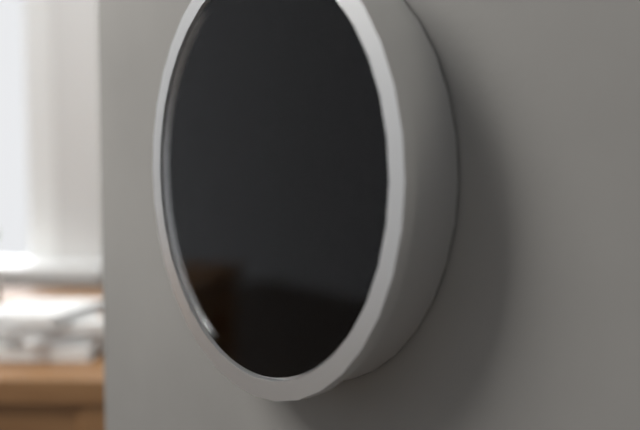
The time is 10:23
